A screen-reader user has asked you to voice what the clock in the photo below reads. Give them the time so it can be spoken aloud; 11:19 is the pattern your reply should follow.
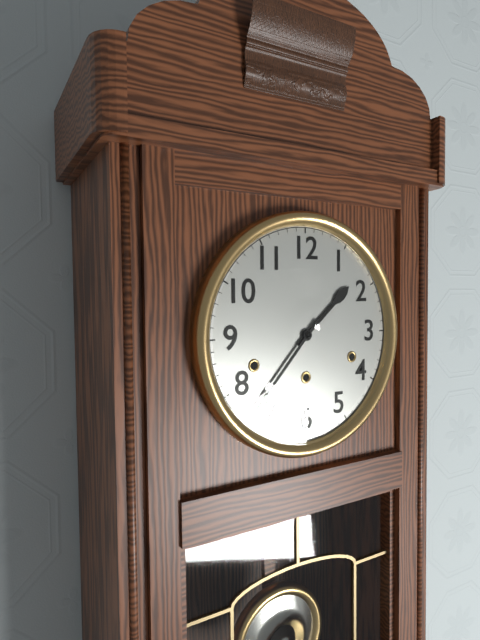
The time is 1:37
